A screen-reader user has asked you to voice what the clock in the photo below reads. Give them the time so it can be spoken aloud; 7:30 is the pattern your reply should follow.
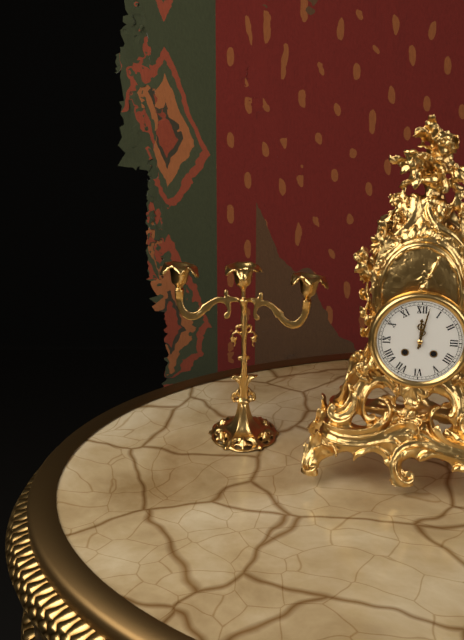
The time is 12:02
